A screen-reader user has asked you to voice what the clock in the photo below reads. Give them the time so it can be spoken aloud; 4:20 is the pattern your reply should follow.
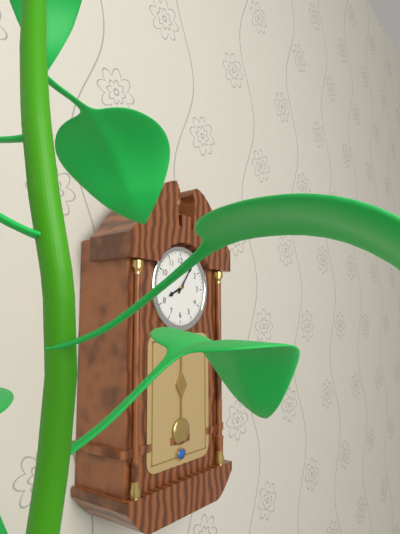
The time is 8:06
